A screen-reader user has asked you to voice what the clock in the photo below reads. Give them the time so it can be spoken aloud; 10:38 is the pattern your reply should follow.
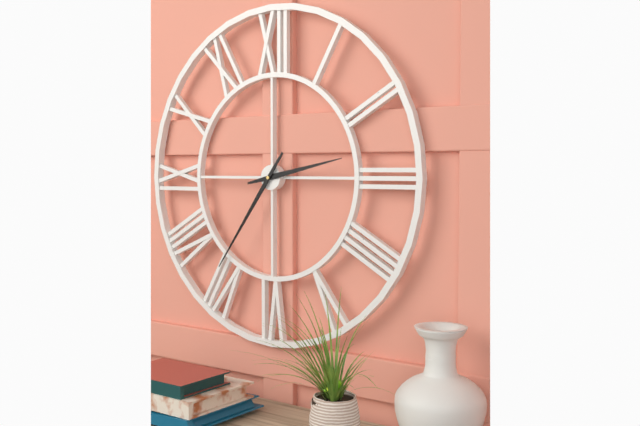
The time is 2:36
